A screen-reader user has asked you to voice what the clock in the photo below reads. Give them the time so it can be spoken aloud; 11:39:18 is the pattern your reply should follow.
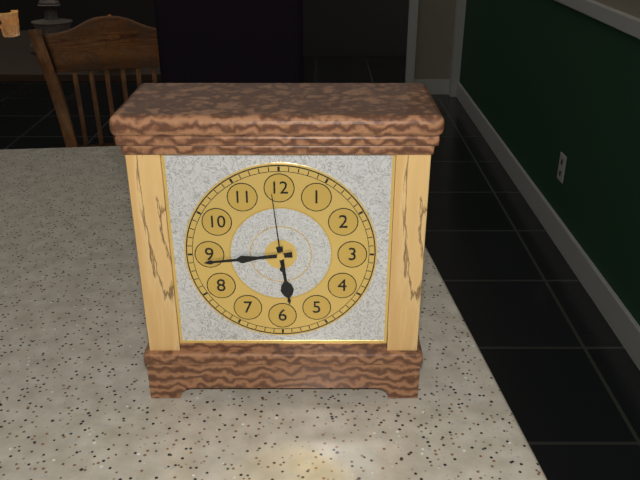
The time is 5:44:59
